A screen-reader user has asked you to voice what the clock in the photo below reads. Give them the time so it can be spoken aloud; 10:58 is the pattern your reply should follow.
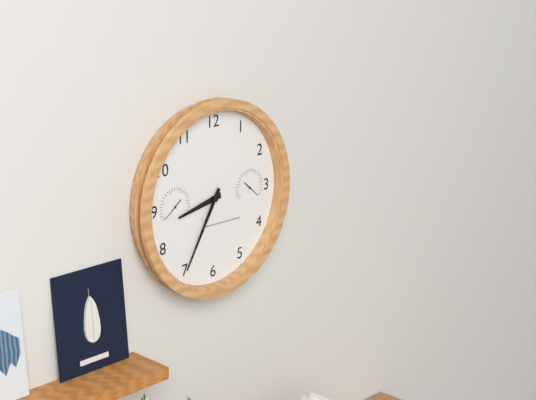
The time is 8:35
